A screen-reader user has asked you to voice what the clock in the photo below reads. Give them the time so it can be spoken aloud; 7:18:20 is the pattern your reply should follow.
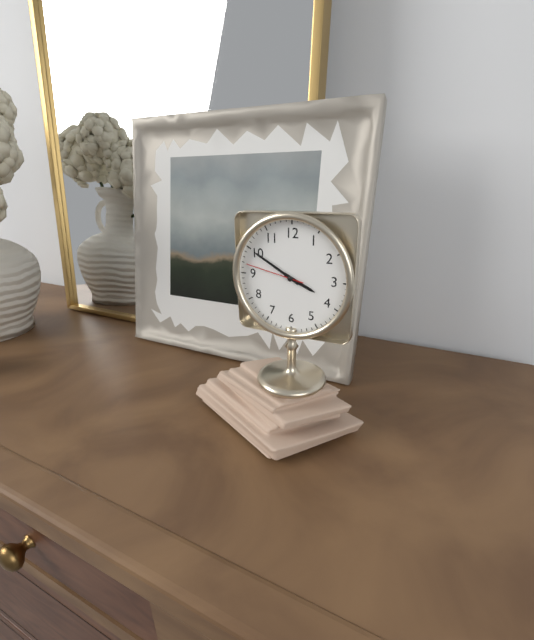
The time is 3:50:47
